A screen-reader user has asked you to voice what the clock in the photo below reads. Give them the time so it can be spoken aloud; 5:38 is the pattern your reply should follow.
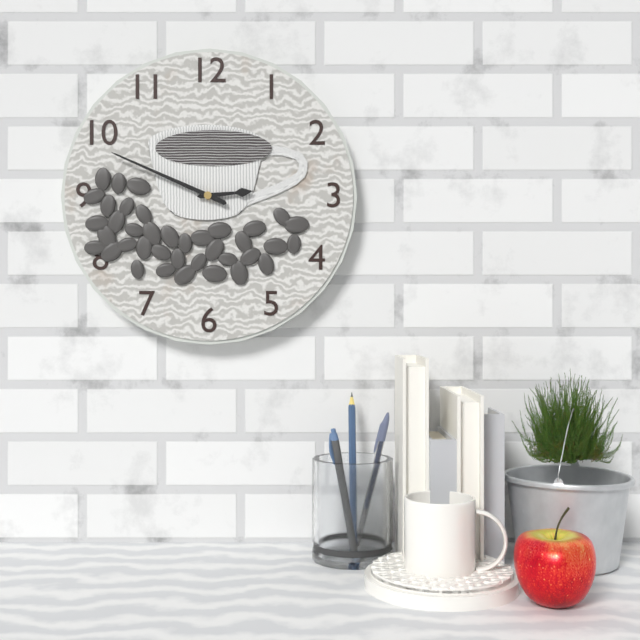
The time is 2:49
